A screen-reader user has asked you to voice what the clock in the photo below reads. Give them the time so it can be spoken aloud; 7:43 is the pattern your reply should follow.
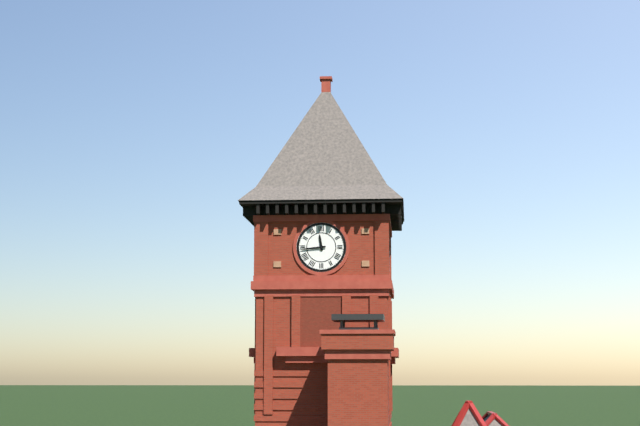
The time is 11:44
